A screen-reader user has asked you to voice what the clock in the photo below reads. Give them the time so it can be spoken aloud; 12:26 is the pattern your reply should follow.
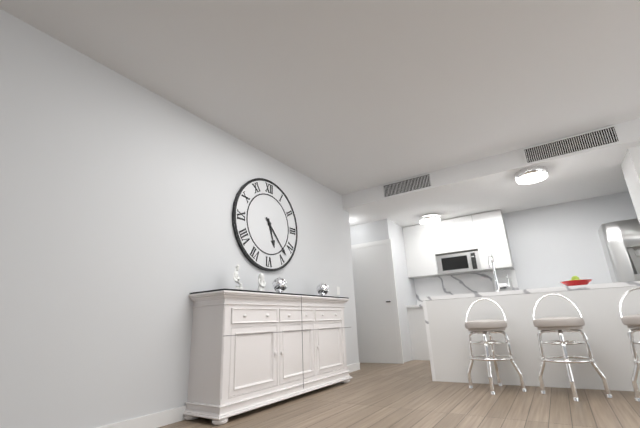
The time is 5:23
